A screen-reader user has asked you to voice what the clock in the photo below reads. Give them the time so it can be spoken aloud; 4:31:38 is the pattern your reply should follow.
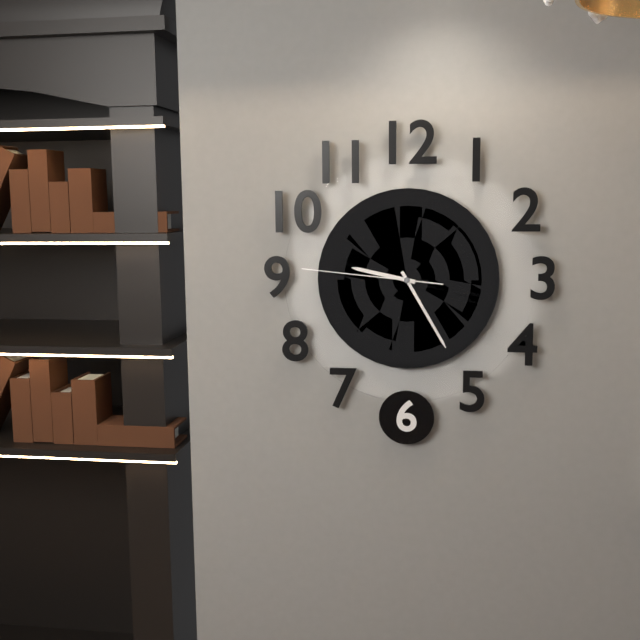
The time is 9:25:46
